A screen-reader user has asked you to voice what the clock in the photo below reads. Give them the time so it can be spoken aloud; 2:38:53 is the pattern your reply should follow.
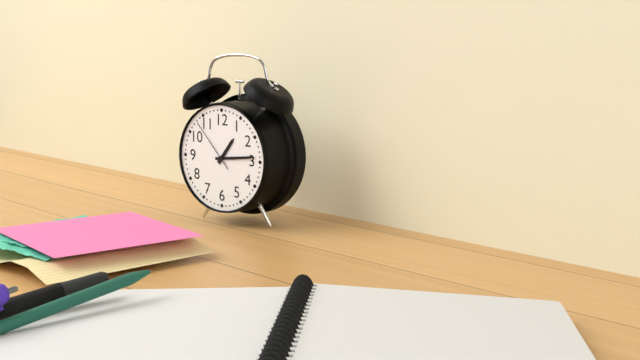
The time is 1:14:53
